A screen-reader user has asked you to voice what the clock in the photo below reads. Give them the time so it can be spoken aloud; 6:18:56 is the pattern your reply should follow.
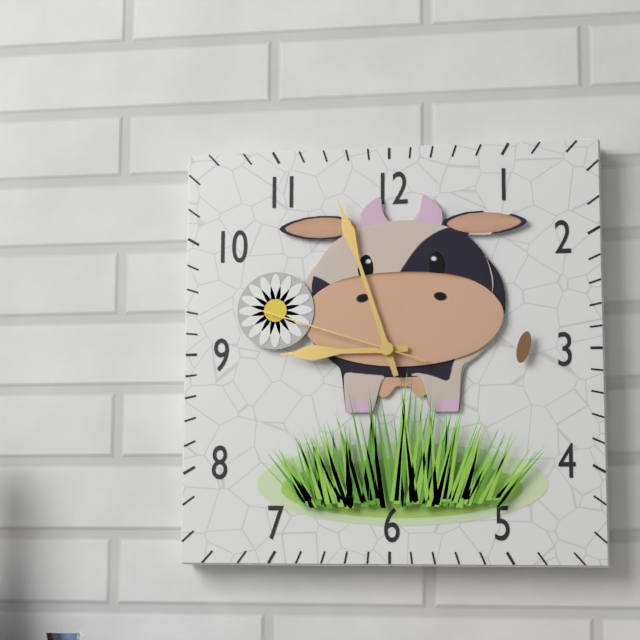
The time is 8:57:48
